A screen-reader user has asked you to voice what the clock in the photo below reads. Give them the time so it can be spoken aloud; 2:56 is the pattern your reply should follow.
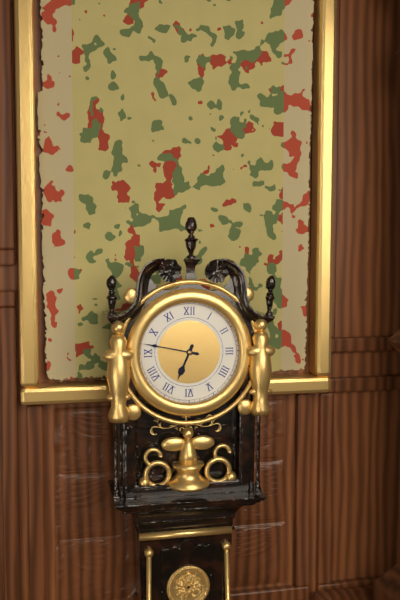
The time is 6:47
